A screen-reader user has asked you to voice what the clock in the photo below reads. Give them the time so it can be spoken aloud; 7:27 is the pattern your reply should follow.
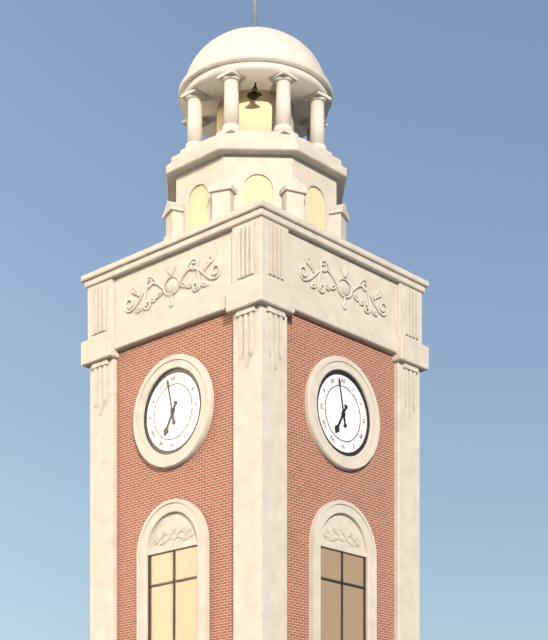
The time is 6:58
